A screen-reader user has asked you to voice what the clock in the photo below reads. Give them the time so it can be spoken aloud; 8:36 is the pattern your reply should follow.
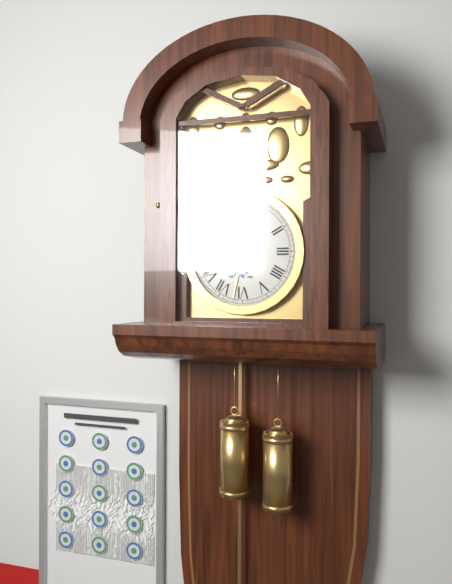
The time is 12:32
